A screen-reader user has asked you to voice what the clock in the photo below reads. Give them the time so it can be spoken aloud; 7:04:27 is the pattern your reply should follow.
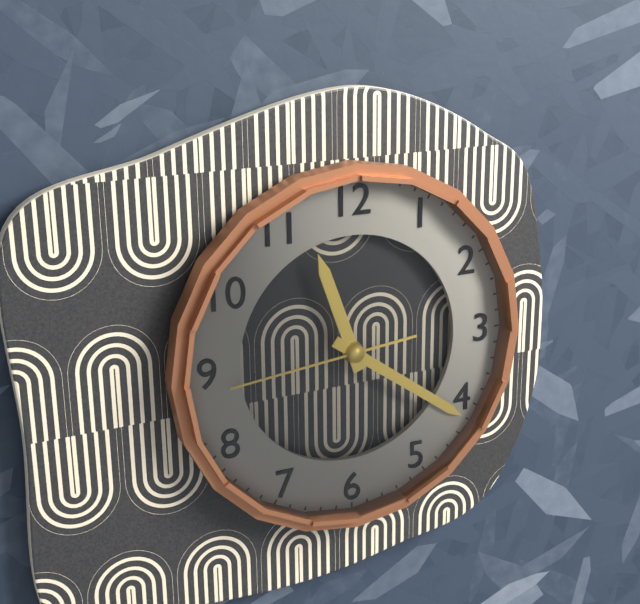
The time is 11:21:44
